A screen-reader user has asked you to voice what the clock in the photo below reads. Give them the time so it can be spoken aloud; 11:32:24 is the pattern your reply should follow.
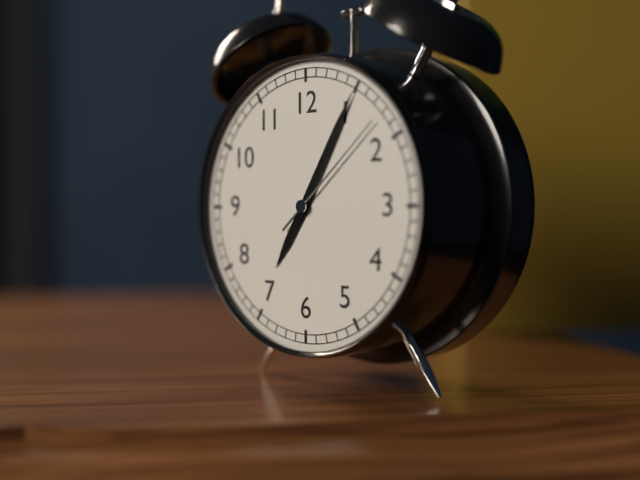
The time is 7:05:08
